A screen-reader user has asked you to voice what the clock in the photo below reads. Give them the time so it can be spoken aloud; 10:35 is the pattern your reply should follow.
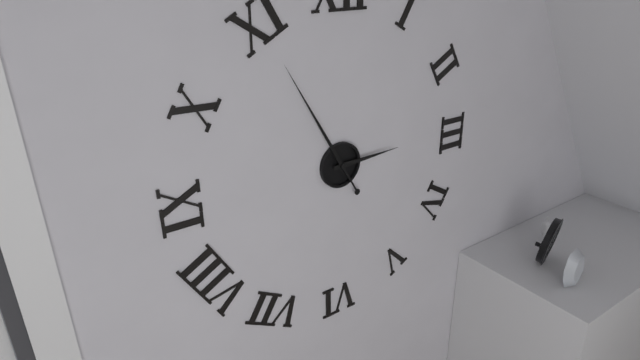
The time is 2:55
